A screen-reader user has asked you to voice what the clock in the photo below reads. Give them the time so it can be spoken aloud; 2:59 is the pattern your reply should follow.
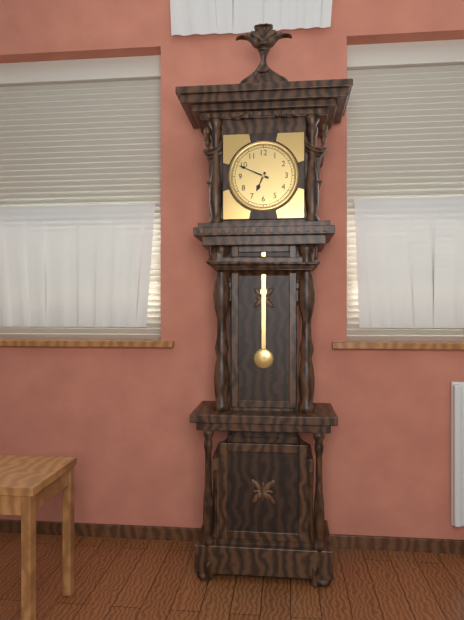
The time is 6:49
